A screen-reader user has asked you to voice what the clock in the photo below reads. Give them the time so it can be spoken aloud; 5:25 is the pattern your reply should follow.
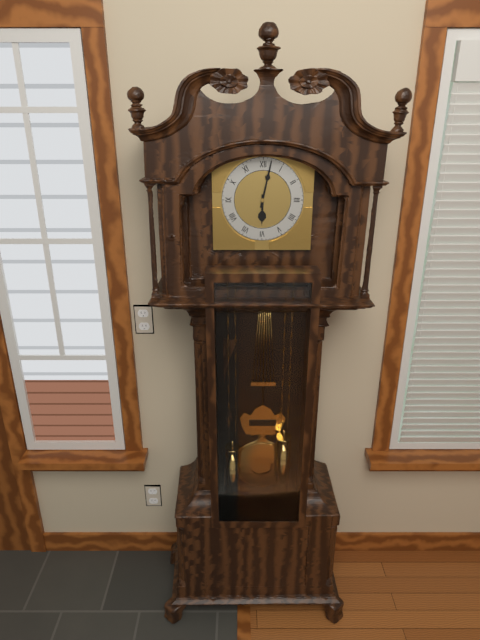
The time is 6:02
